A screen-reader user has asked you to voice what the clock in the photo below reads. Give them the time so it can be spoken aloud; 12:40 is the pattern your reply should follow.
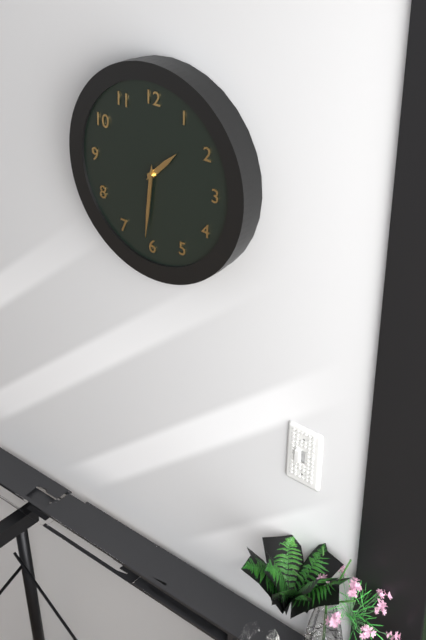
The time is 1:31
